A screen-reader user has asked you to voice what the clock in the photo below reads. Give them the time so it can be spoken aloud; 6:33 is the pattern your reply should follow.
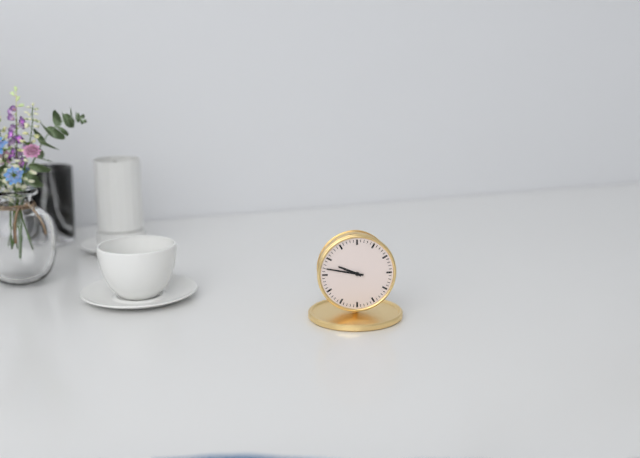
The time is 9:47
